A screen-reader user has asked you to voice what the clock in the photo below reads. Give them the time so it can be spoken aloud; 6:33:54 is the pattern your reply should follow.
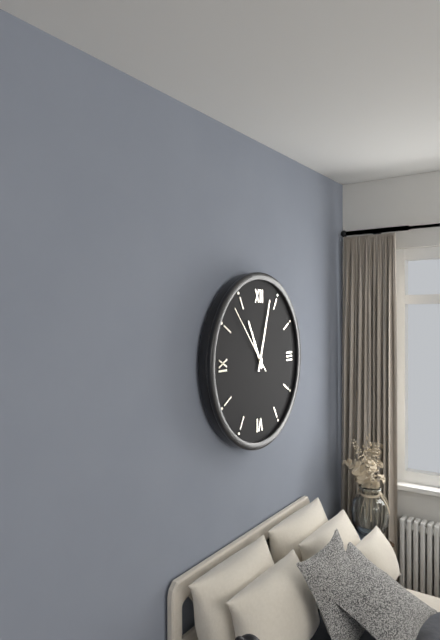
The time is 11:03:53
